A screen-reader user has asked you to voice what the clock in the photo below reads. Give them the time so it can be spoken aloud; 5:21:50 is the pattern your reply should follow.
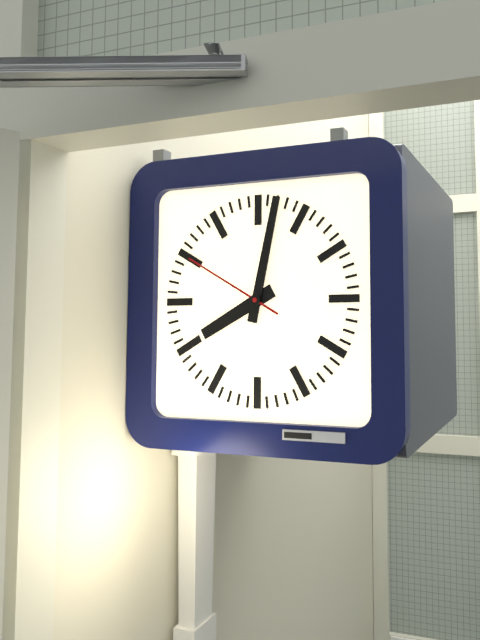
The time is 8:02:50
